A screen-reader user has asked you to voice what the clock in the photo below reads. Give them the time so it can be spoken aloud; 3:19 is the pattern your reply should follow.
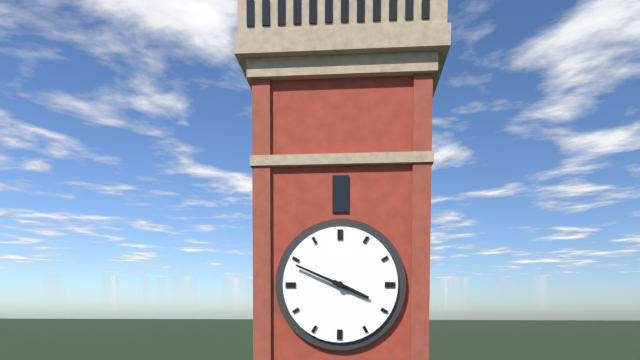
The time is 3:49
